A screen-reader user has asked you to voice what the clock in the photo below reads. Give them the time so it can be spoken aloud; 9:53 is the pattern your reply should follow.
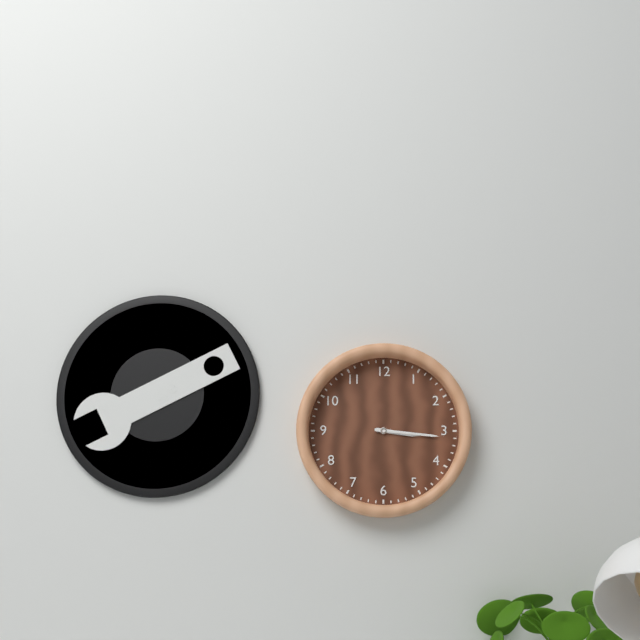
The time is 3:16
